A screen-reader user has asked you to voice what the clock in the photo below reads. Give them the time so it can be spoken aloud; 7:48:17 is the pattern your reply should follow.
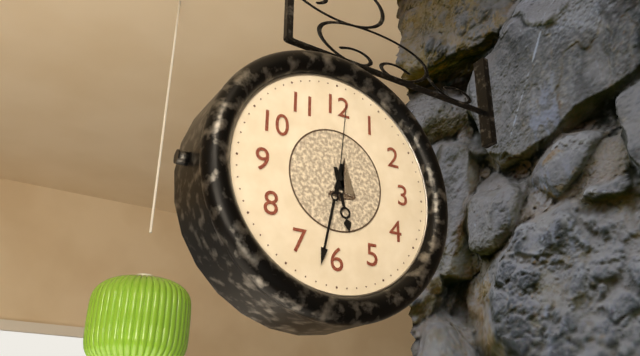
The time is 5:32:01
